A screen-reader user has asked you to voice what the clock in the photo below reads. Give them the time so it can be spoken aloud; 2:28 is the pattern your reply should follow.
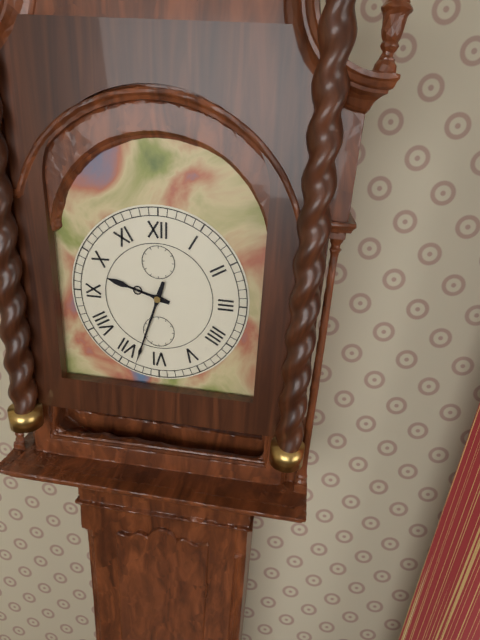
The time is 9:33
